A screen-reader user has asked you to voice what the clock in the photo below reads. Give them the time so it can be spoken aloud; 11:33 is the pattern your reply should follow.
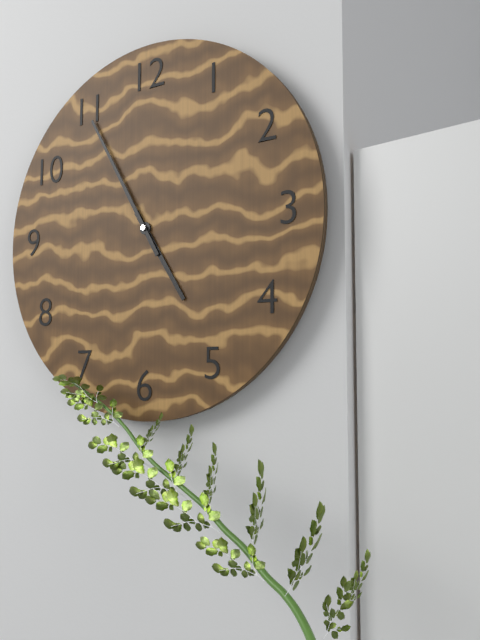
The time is 4:55
